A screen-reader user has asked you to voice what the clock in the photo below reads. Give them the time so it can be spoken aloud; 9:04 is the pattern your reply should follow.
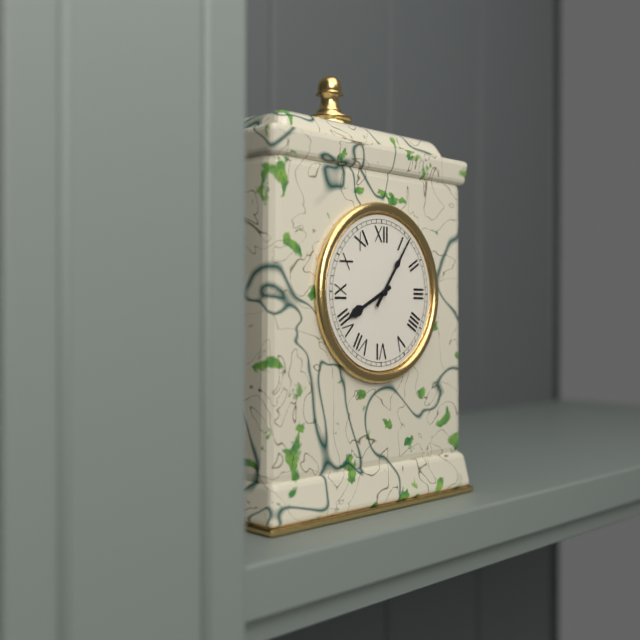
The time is 8:06
